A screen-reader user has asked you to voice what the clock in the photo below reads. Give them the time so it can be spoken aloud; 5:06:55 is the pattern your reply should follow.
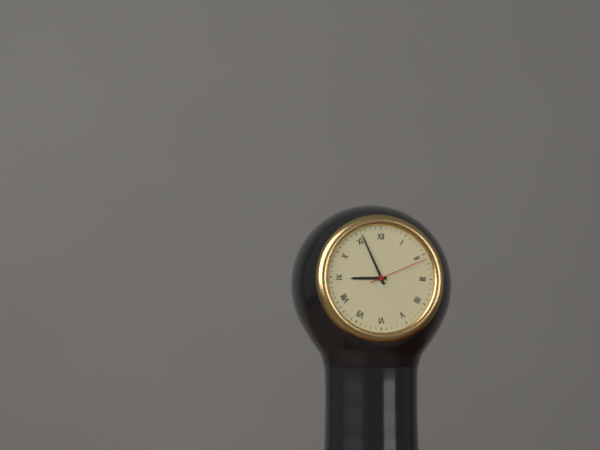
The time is 8:56:11
